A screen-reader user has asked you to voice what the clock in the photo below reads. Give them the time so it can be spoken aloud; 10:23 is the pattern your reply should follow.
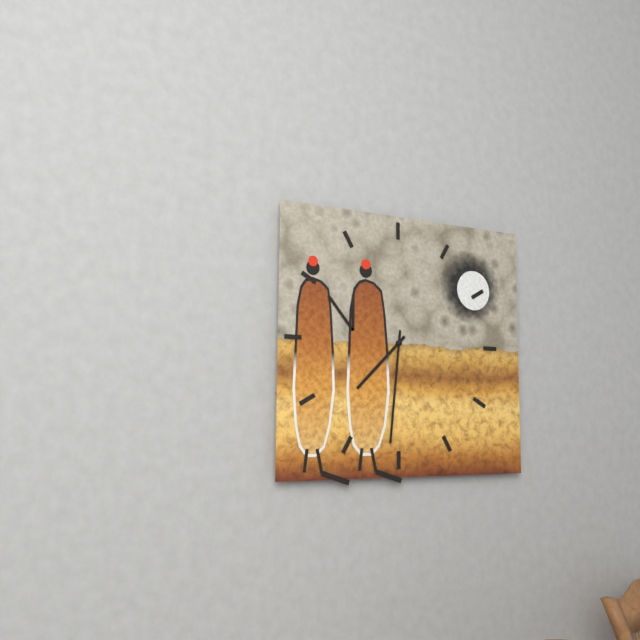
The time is 7:31
